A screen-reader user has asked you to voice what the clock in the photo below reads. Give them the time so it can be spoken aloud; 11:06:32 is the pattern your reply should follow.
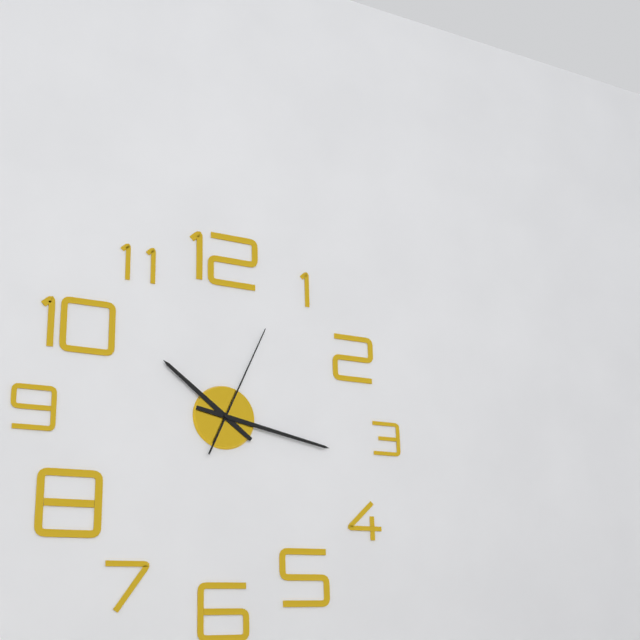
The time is 10:17:04
